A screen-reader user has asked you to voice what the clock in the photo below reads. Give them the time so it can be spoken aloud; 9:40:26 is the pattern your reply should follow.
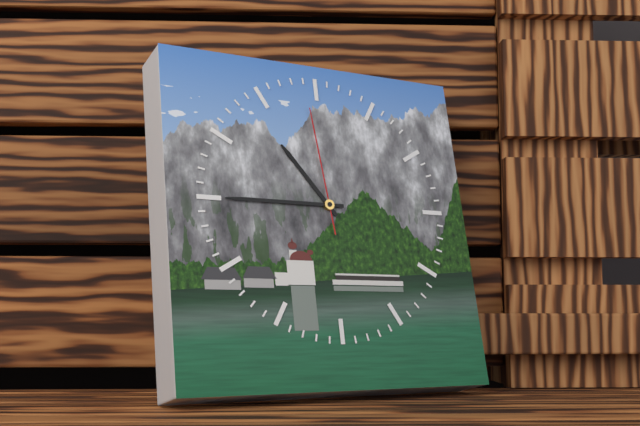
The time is 10:45:59
